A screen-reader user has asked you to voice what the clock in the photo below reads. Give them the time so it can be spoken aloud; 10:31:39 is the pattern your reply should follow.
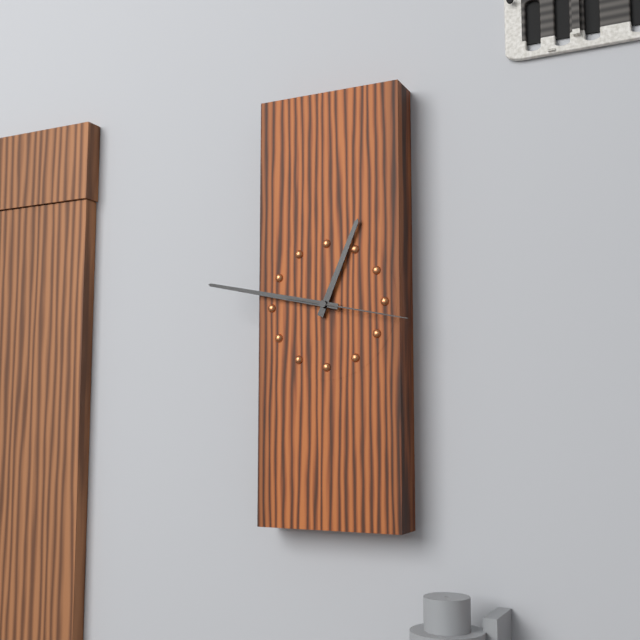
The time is 12:47:17
